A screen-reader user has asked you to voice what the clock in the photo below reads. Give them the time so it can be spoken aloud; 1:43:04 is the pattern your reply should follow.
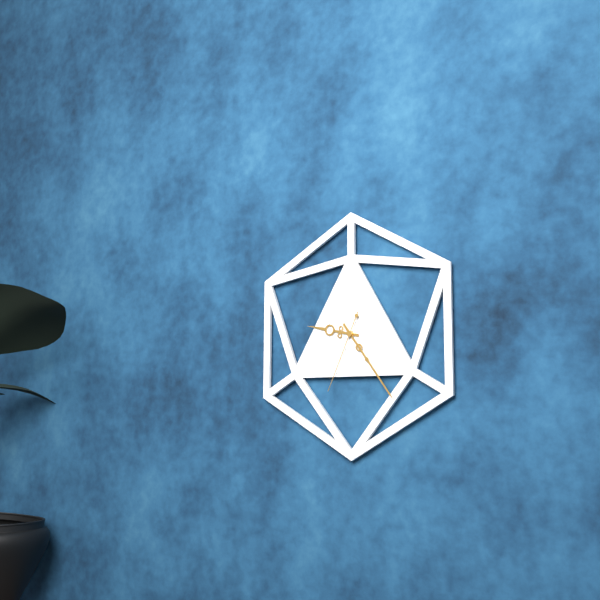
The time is 9:24:34
